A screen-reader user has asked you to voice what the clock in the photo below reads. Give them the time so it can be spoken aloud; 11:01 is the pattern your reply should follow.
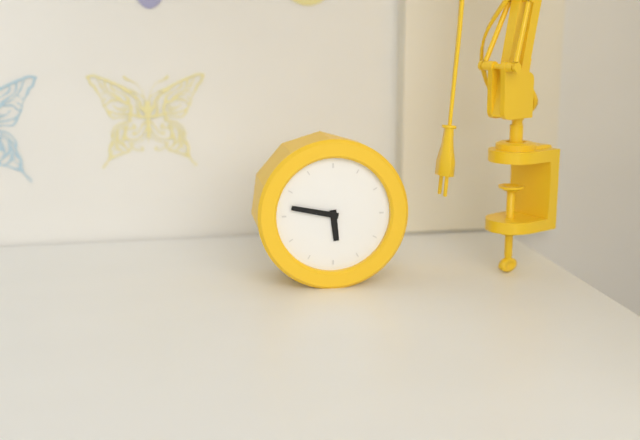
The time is 5:47
